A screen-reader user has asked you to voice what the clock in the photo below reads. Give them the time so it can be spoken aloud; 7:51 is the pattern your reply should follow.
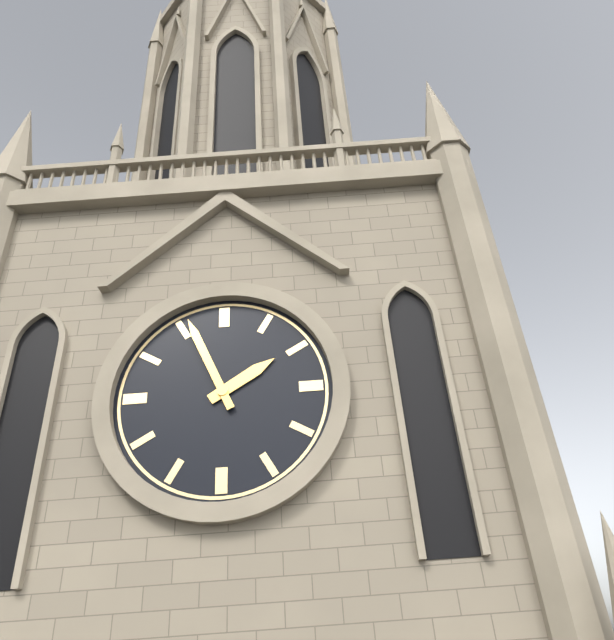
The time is 1:56
